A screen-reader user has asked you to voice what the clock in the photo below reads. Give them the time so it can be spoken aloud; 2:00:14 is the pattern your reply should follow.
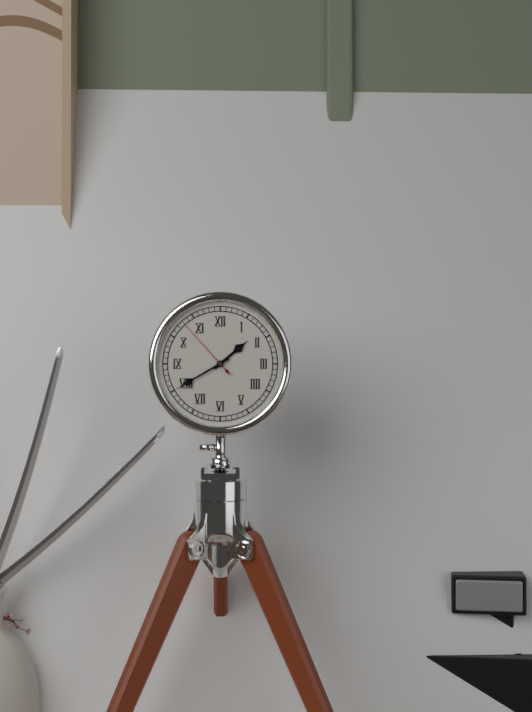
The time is 1:40:53
